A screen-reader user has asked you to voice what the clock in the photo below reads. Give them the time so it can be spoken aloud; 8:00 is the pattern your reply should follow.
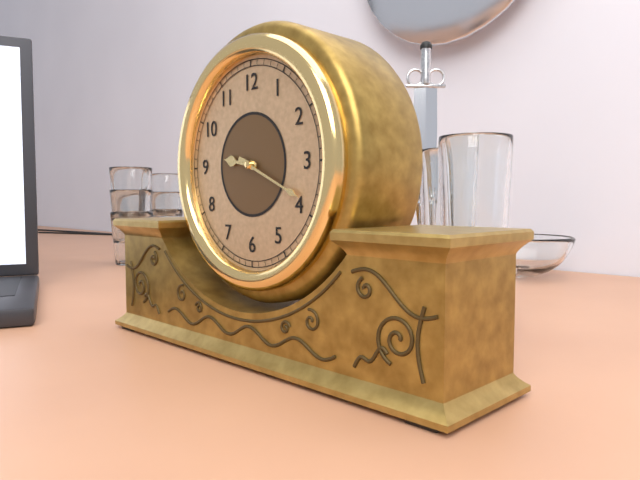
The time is 9:19
